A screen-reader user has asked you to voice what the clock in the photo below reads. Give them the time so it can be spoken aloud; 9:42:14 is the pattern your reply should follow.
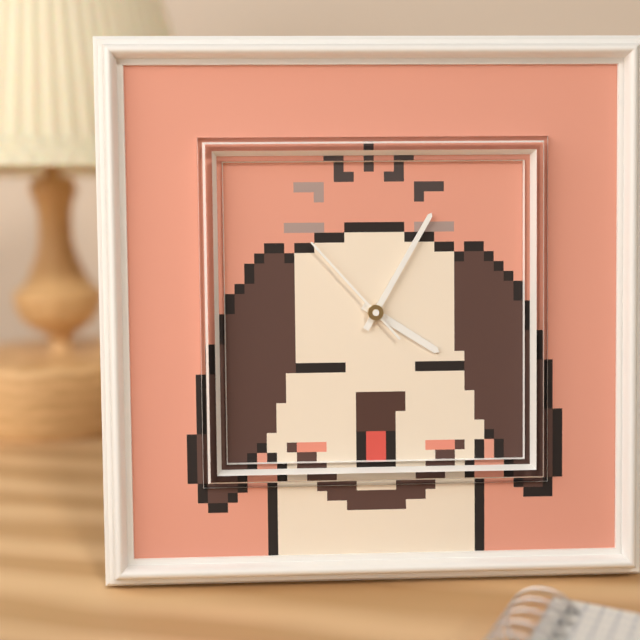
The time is 4:05:53
